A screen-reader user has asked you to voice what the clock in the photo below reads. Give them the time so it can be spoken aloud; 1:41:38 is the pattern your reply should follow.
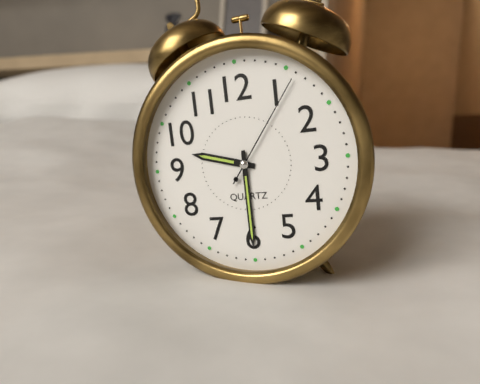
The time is 9:30:06
